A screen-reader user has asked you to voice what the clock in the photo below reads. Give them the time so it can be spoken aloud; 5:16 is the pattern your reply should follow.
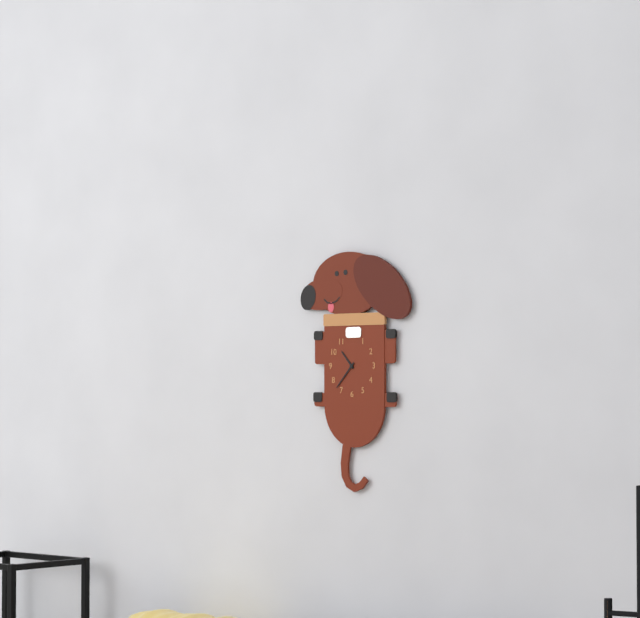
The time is 10:37
